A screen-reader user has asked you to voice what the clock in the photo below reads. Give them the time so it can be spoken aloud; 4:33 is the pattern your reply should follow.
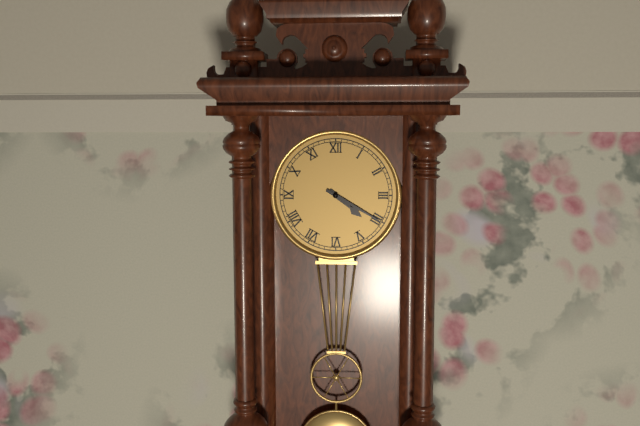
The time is 4:20
